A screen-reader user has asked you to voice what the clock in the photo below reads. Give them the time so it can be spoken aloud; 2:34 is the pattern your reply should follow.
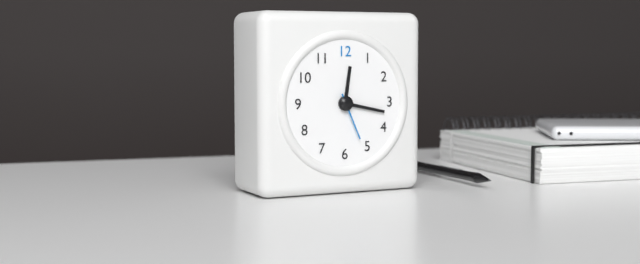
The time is 12:17
